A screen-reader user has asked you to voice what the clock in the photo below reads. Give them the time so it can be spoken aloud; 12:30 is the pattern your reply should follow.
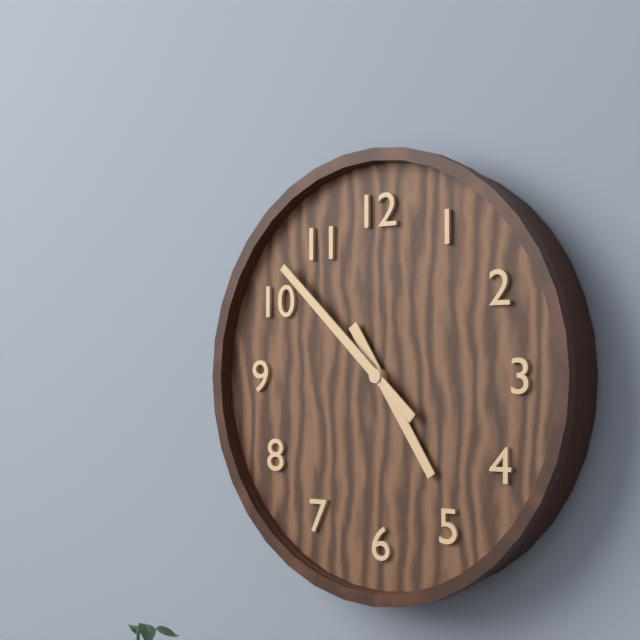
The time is 4:52
